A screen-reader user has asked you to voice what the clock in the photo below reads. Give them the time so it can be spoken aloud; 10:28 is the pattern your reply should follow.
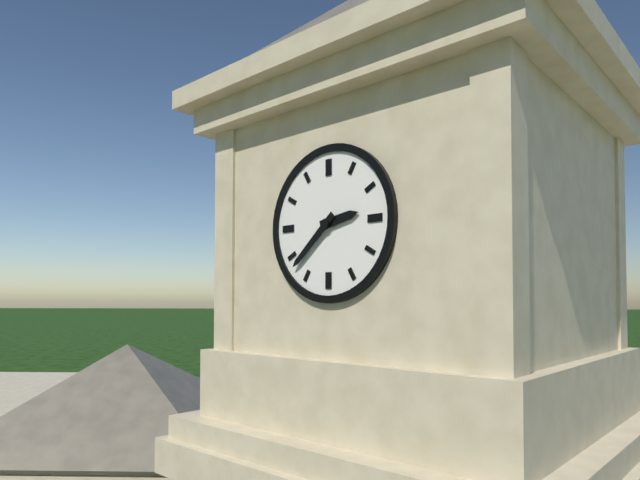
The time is 2:38
